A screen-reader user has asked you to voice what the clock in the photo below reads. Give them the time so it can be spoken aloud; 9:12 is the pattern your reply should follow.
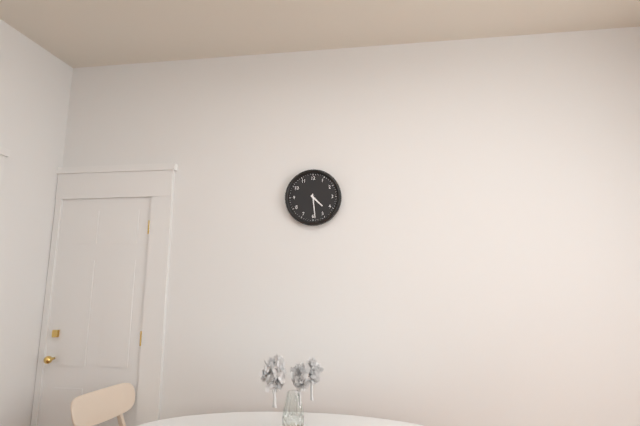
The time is 4:29
